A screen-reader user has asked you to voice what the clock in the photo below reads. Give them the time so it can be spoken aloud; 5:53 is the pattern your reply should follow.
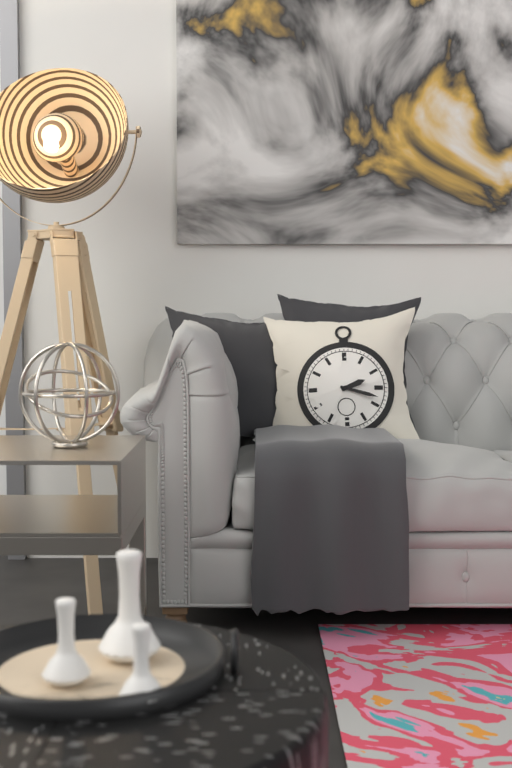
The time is 2:18
